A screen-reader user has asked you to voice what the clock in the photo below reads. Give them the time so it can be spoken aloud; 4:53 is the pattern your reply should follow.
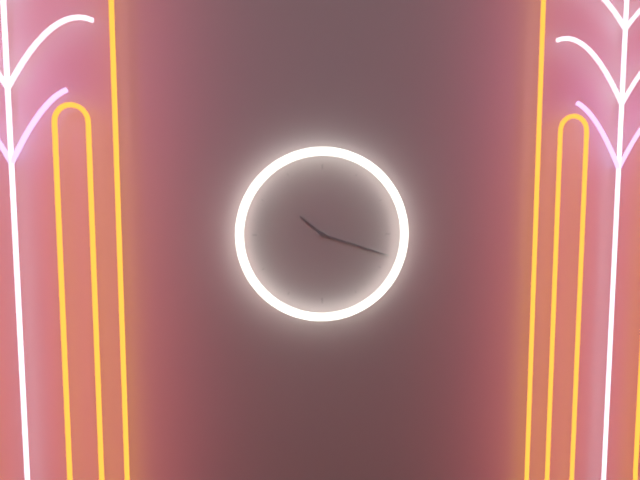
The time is 10:18
